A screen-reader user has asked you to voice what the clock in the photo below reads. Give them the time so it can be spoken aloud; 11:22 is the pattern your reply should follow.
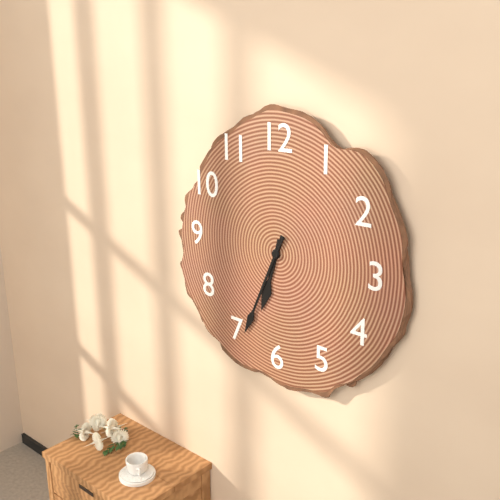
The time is 6:34
